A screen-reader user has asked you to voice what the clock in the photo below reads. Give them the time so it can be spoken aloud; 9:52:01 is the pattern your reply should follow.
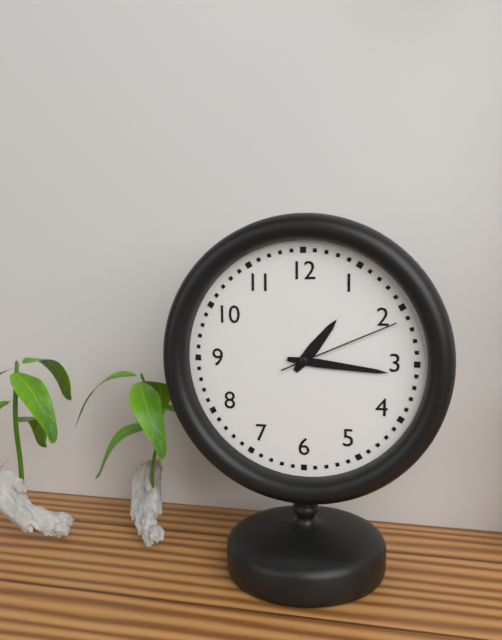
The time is 1:16:11
